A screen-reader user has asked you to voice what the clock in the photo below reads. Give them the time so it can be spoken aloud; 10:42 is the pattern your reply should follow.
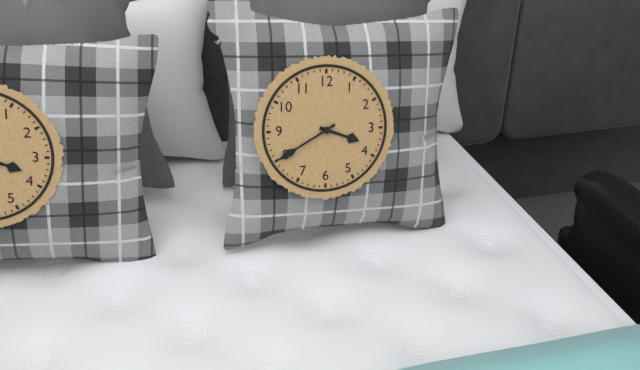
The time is 3:40
